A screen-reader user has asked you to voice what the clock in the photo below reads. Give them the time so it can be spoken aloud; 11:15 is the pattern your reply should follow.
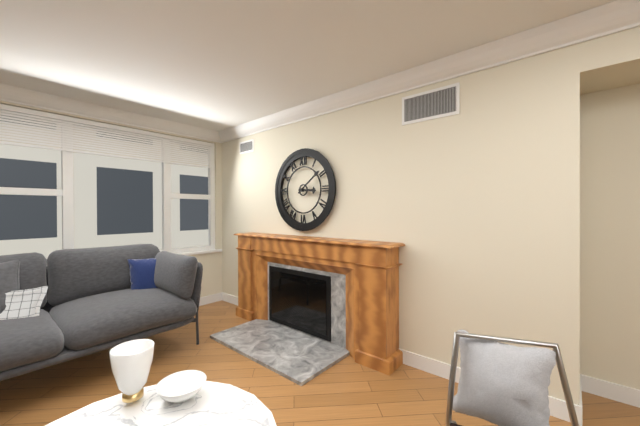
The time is 3:09
